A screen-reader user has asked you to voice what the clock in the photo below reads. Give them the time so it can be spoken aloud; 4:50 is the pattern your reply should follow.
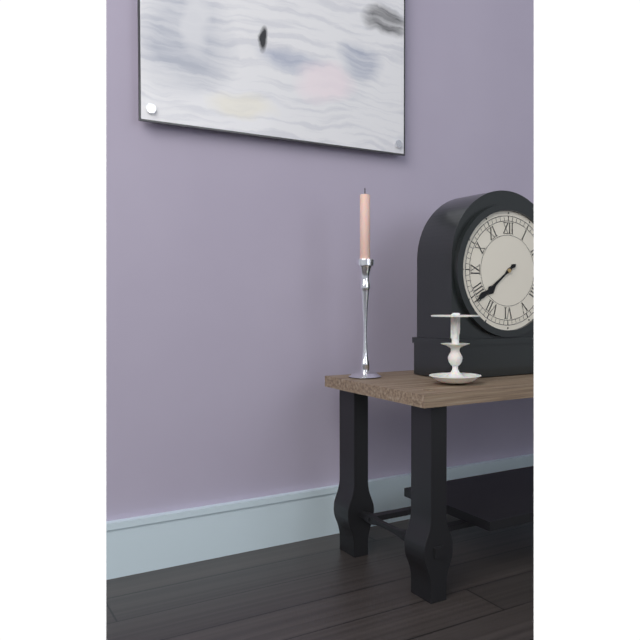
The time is 7:39
